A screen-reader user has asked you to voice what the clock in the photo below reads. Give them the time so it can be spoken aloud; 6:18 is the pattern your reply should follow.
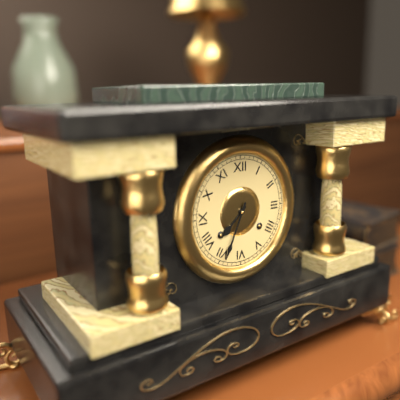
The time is 7:34
